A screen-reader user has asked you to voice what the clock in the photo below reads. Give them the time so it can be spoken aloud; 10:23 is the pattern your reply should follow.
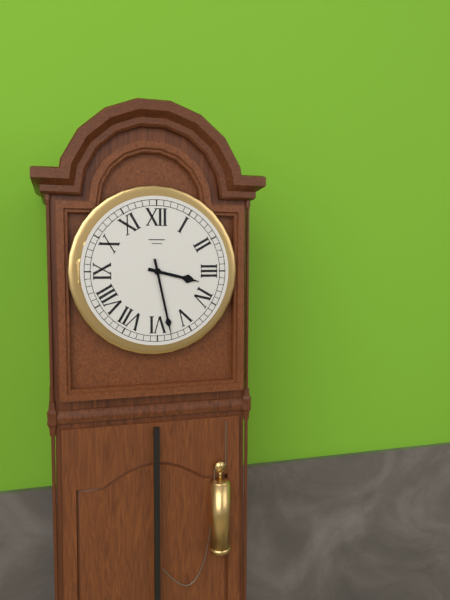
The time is 3:28
